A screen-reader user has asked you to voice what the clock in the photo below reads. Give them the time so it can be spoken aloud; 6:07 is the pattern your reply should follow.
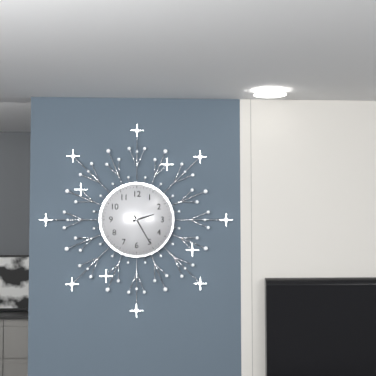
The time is 2:25
